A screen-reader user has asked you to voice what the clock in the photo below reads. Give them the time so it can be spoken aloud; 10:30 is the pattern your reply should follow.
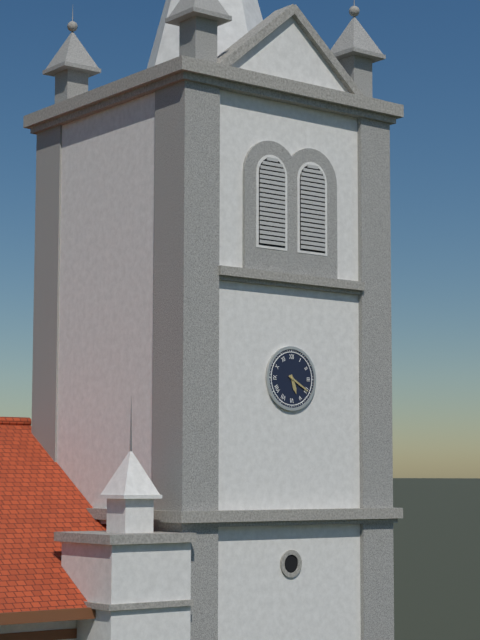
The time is 5:20
